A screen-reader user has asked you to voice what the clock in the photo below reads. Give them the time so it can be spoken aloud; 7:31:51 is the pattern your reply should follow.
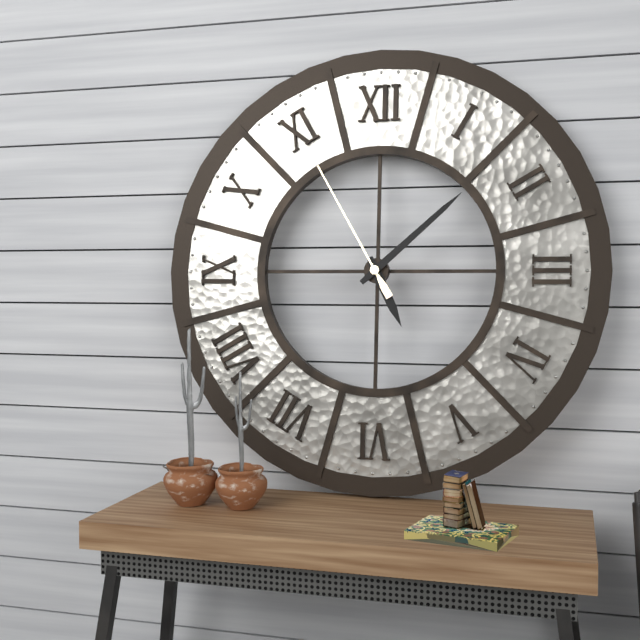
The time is 5:08:55
